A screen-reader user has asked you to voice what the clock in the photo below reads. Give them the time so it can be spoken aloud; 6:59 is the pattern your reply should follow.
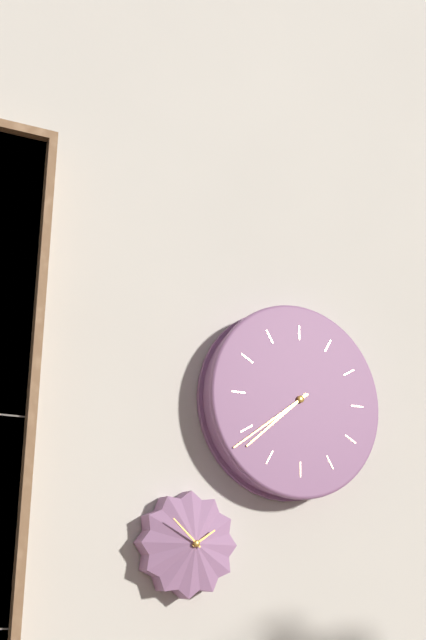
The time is 7:39
